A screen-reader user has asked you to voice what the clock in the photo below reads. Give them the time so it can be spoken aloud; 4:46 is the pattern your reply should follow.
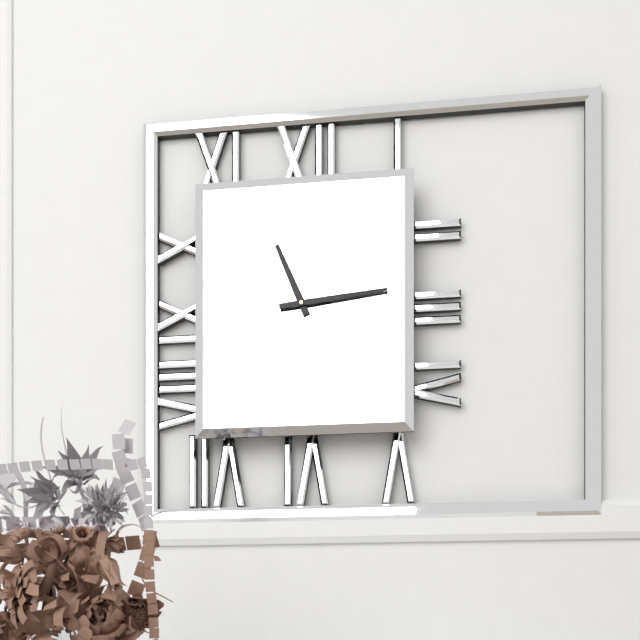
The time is 11:14
